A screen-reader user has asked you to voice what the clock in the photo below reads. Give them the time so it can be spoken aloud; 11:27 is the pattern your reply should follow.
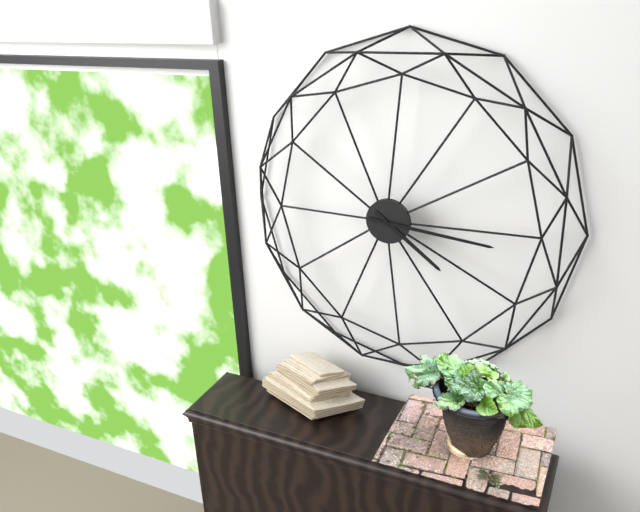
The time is 4:16
